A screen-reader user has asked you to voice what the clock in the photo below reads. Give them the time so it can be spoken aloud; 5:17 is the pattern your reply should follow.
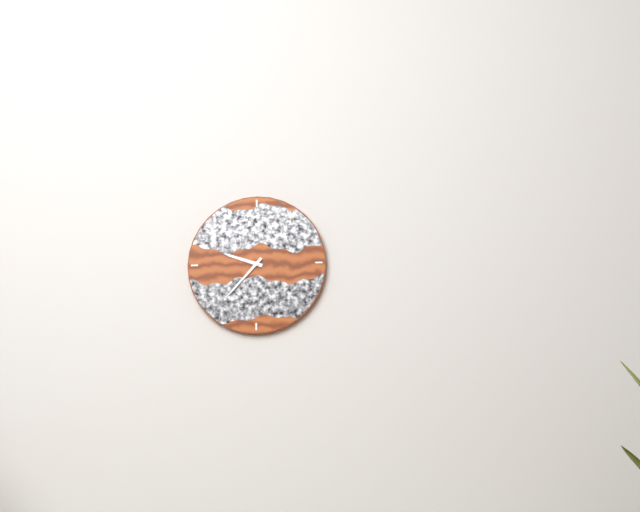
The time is 9:37
